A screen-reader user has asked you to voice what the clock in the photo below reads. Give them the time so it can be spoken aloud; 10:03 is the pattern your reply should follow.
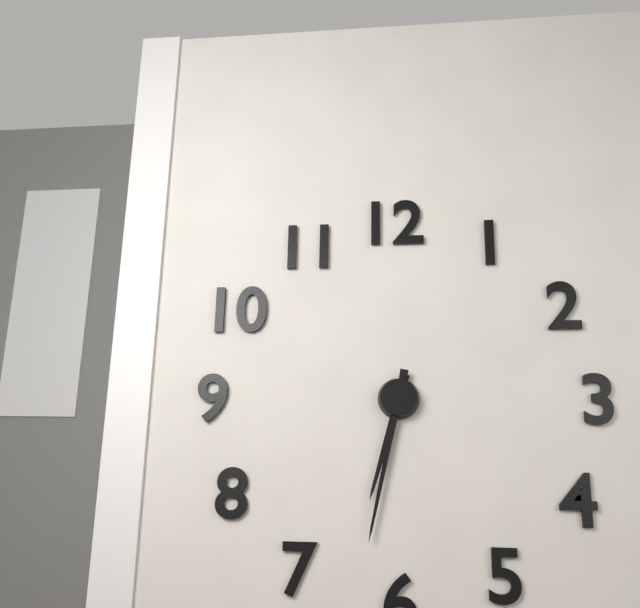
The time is 6:32
